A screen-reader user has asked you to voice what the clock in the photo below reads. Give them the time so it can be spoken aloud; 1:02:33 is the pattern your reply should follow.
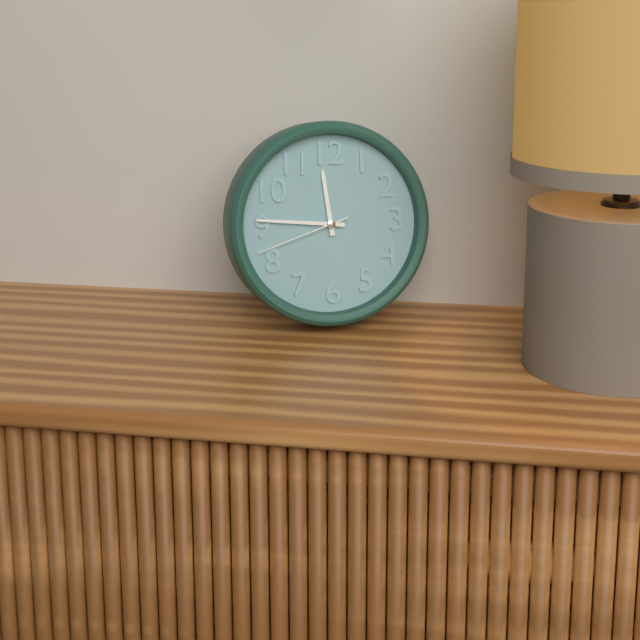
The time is 11:46:42
